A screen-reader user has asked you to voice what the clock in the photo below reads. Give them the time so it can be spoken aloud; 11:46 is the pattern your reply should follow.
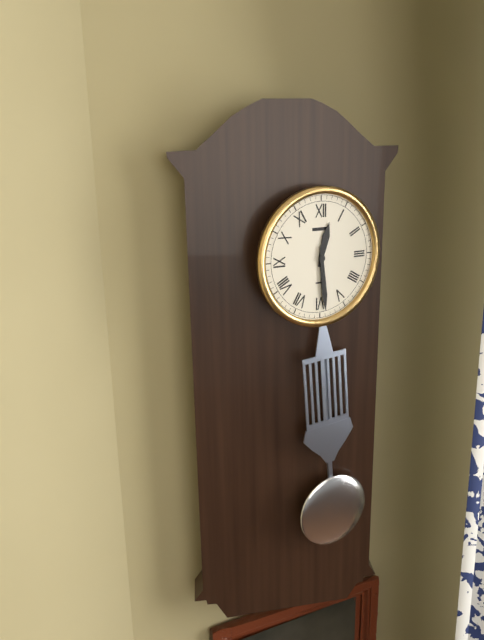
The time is 12:29
